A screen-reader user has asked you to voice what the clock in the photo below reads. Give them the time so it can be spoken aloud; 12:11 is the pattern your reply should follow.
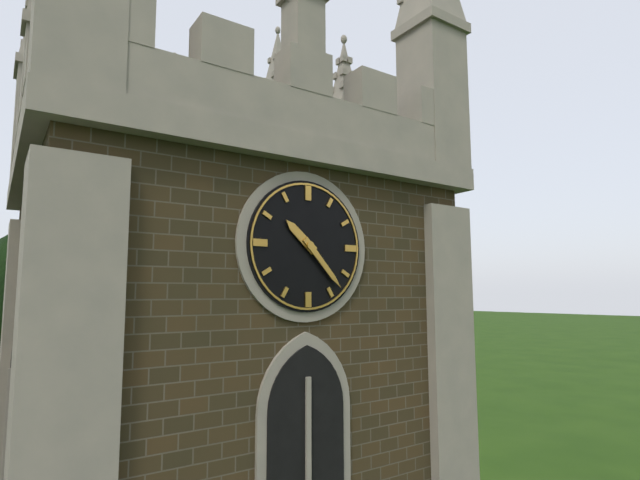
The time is 10:23
